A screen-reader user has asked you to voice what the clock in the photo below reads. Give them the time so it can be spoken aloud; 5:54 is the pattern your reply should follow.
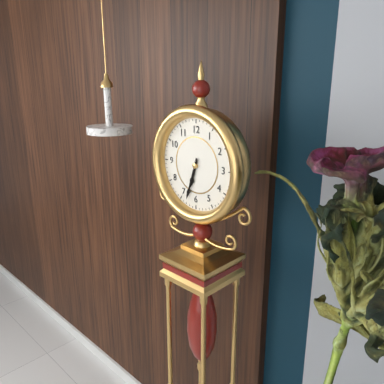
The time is 6:33
